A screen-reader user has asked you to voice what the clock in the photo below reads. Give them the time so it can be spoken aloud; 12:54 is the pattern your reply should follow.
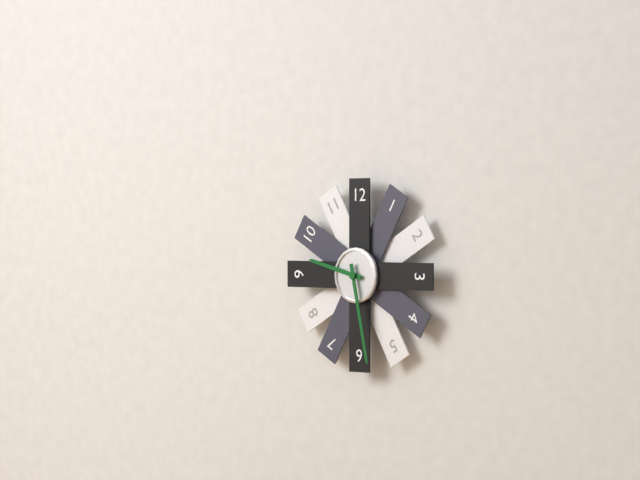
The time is 9:28
